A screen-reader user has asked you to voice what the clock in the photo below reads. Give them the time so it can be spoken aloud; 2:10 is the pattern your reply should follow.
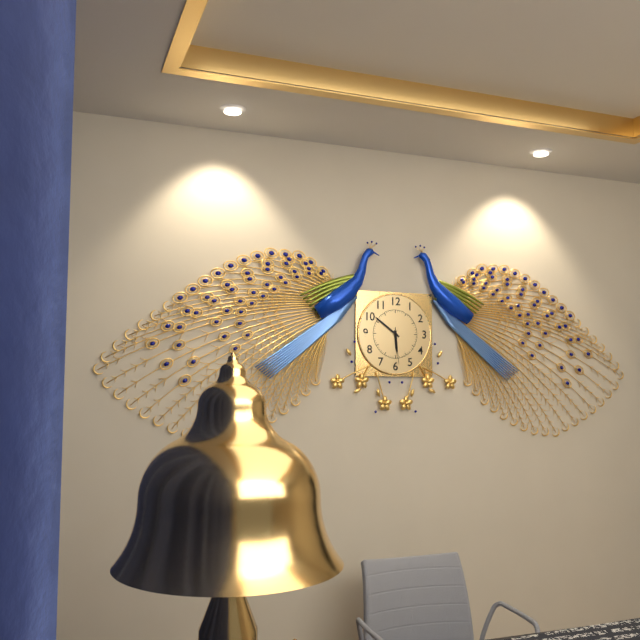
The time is 5:51
